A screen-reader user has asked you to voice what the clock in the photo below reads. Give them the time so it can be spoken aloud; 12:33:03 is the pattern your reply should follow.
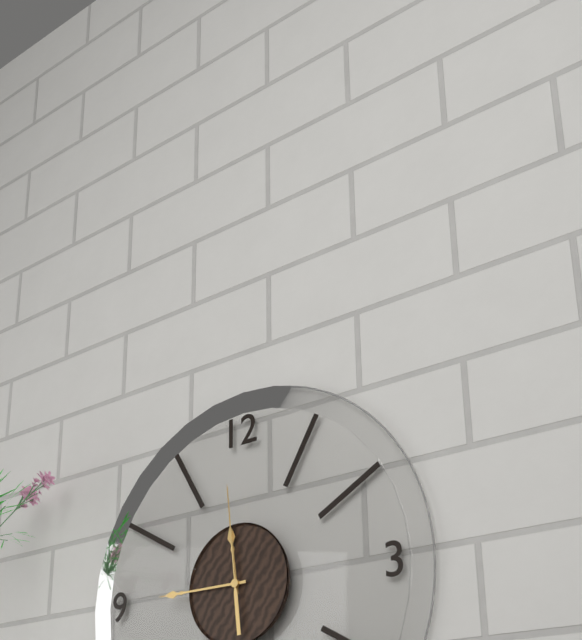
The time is 11:45:59
